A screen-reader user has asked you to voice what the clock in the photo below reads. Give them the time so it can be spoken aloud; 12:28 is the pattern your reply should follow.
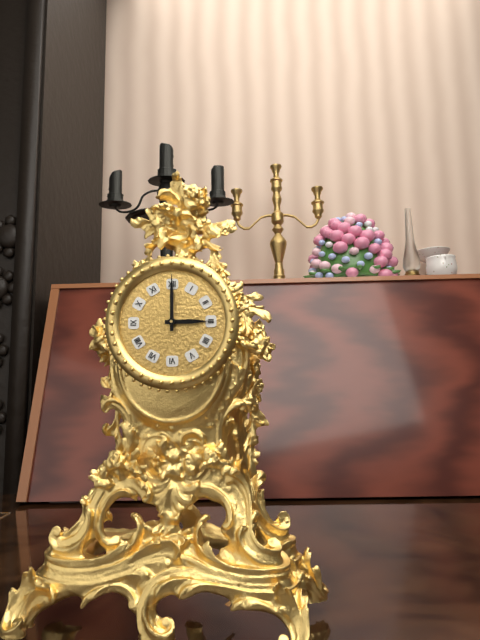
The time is 3:00
